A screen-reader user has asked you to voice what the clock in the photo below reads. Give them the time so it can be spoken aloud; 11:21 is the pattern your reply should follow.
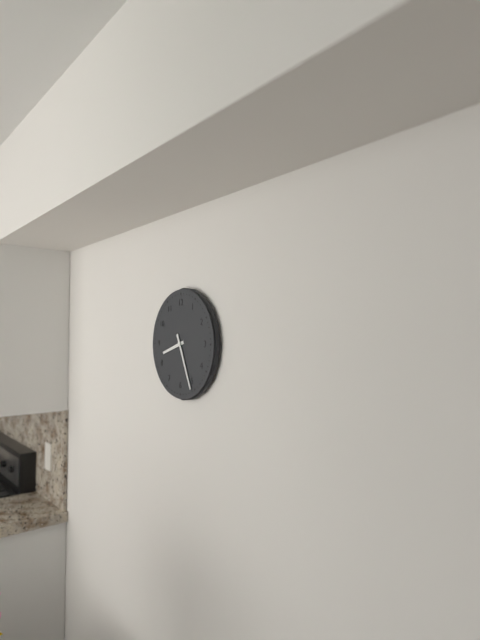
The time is 8:26
